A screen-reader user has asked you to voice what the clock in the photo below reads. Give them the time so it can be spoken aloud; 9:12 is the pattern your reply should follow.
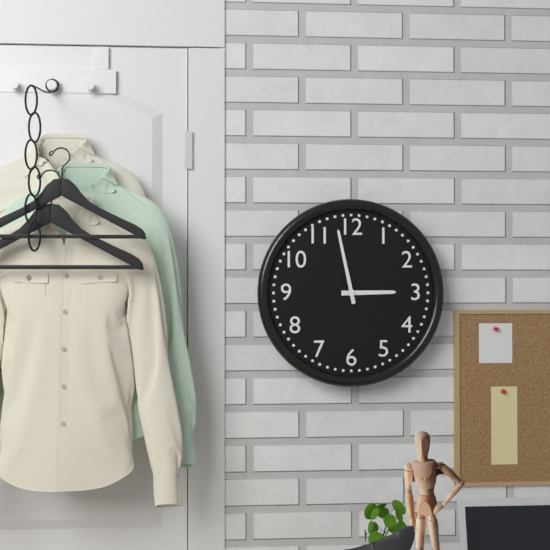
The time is 2:58
